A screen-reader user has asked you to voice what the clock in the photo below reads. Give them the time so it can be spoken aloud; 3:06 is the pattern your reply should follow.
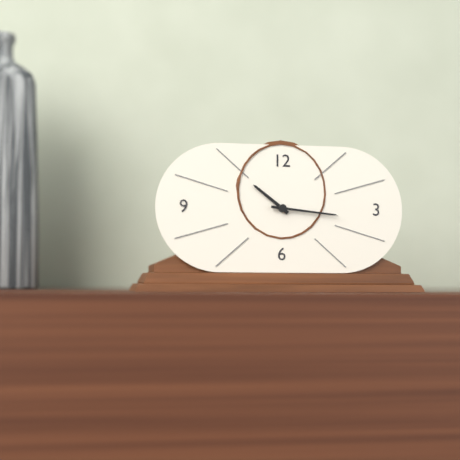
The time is 10:16
